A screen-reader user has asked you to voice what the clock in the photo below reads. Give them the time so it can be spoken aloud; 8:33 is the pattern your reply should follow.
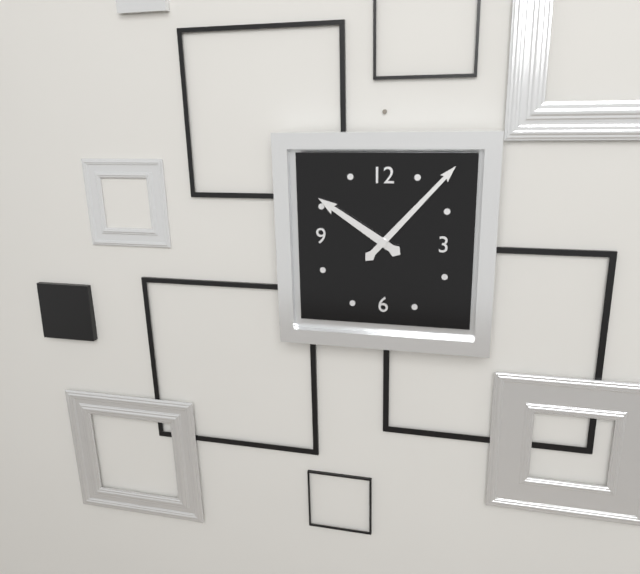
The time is 10:07
